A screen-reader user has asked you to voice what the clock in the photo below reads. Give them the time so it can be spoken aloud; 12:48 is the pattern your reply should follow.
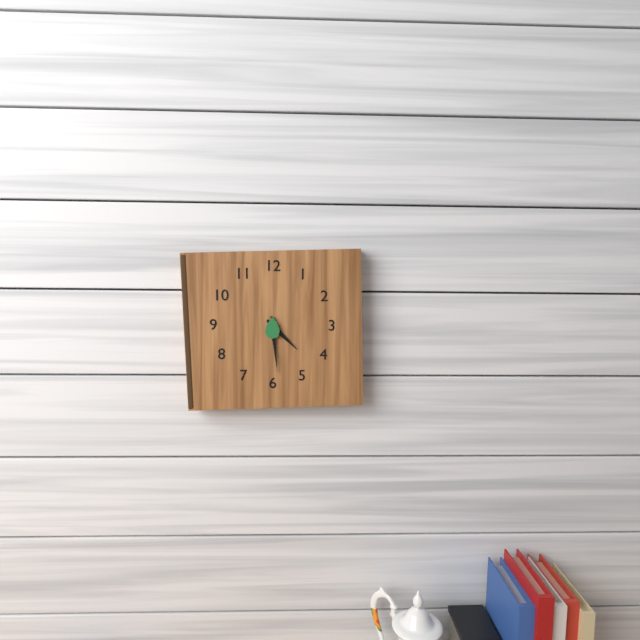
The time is 4:29
